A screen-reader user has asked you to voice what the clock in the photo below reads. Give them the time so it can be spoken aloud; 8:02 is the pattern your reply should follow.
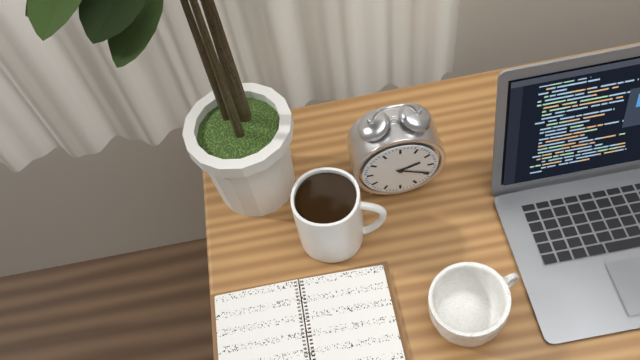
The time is 2:19
